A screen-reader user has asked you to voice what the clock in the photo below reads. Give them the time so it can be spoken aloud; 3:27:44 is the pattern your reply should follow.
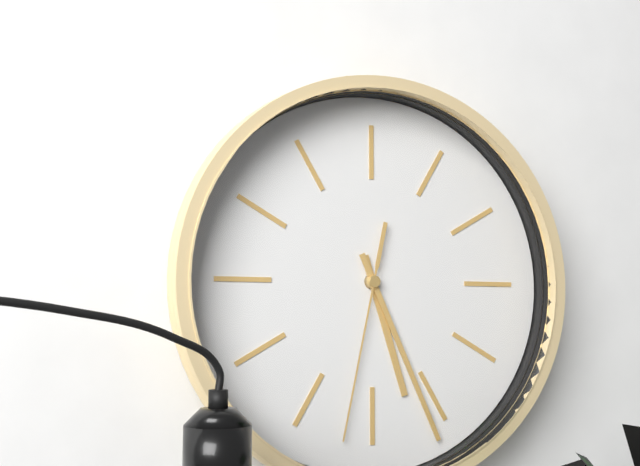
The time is 5:26:32
